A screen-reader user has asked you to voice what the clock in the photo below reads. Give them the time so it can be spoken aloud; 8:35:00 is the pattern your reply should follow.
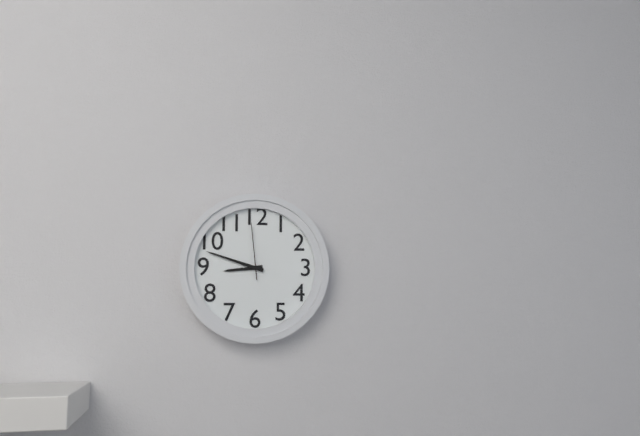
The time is 8:48:59
